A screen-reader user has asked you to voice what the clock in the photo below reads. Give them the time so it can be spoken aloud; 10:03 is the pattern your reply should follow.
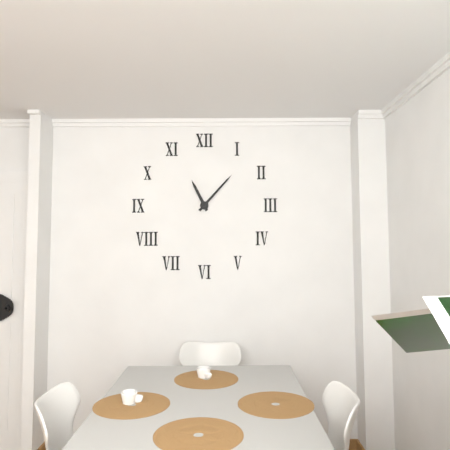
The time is 11:07
